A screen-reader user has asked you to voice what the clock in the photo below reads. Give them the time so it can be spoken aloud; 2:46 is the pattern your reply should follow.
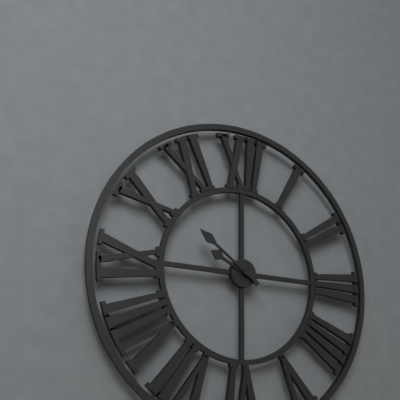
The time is 9:51
